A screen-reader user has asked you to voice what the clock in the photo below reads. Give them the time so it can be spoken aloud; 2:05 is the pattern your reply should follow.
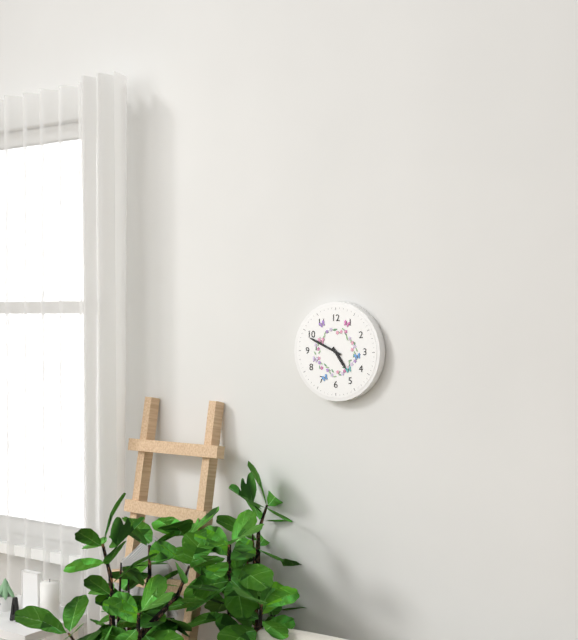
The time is 4:49
